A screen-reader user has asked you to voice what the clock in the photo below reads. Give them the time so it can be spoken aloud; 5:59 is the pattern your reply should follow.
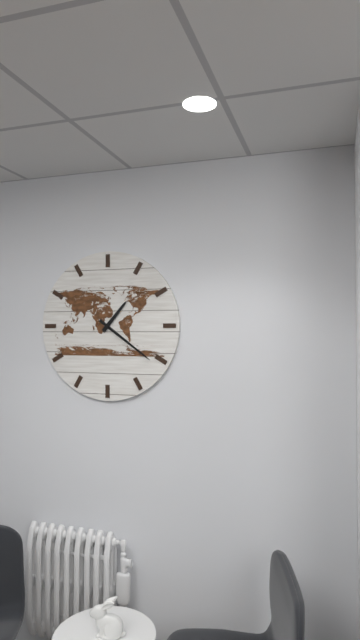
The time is 1:21
